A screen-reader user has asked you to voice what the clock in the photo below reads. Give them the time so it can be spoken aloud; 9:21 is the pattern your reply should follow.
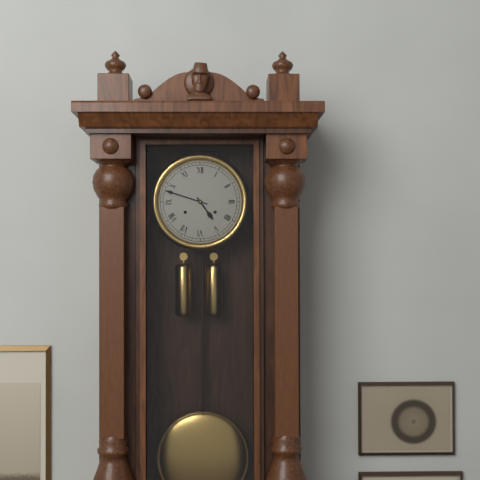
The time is 4:48
